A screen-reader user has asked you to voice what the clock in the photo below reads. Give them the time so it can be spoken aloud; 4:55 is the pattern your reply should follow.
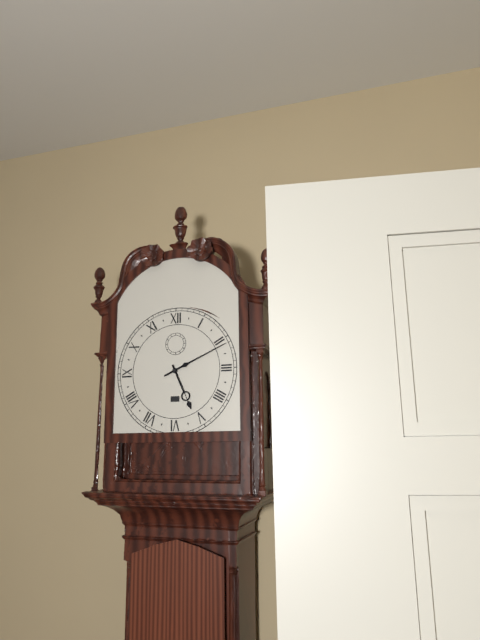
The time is 5:11
